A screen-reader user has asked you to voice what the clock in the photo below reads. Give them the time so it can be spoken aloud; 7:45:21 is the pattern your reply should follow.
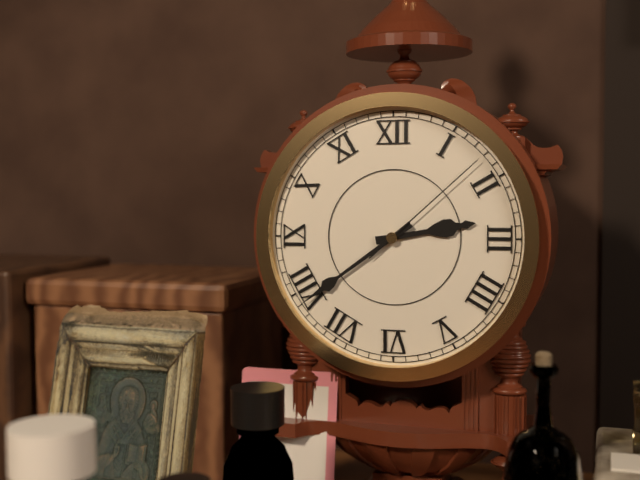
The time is 2:39:08
